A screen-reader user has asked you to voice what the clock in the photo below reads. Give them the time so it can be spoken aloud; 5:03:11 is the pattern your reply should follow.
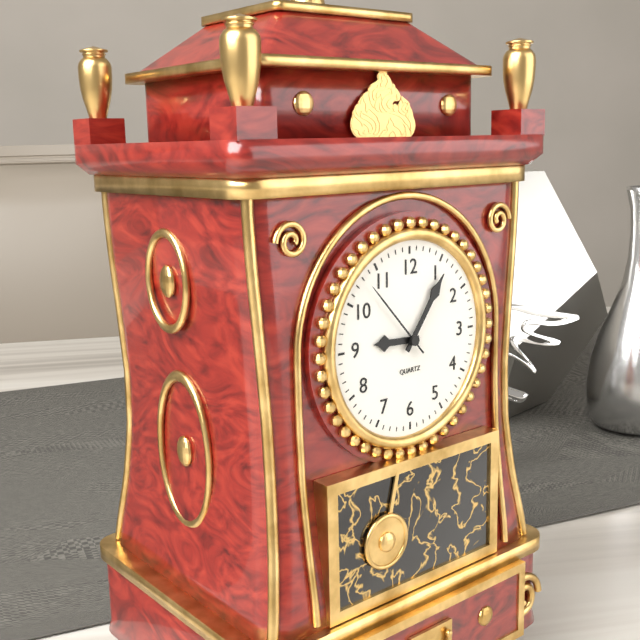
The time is 9:06:53
